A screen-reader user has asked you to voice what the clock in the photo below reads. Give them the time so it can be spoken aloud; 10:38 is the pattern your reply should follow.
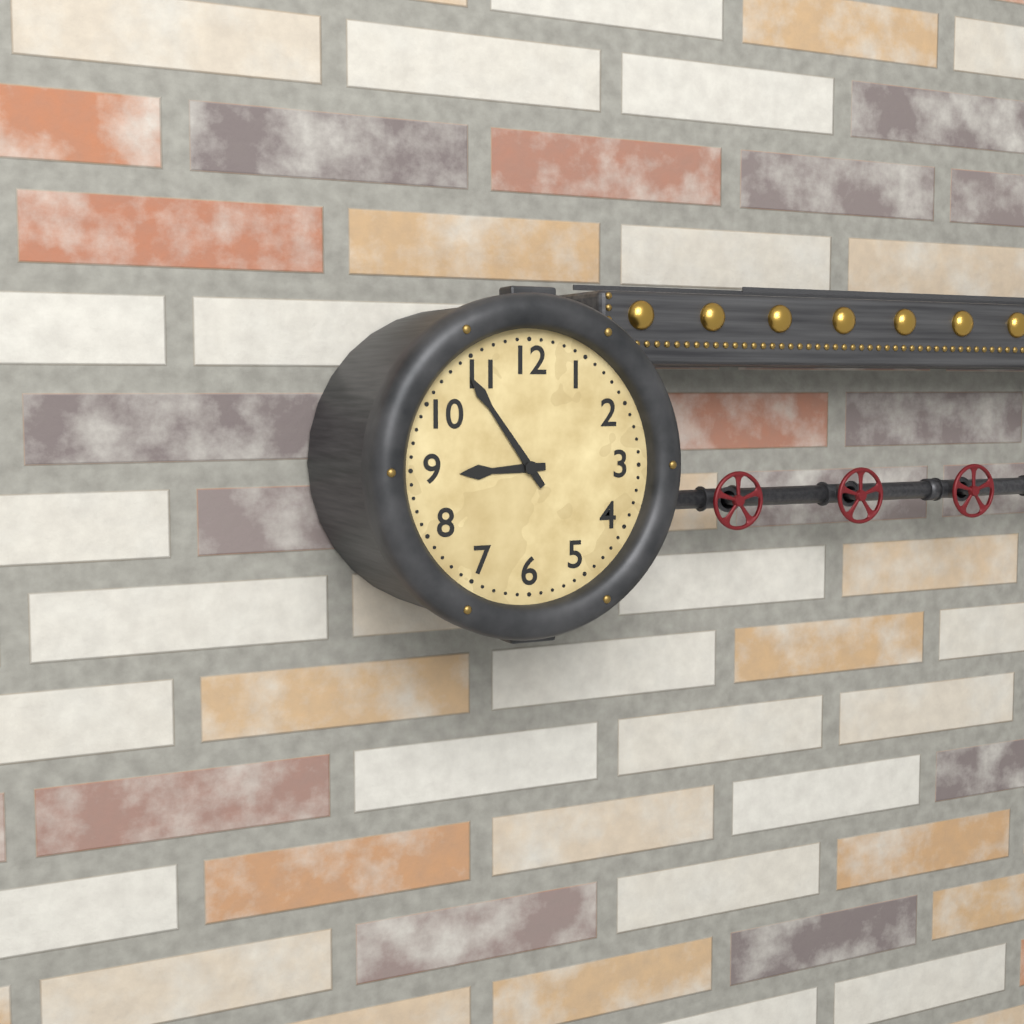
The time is 8:54
